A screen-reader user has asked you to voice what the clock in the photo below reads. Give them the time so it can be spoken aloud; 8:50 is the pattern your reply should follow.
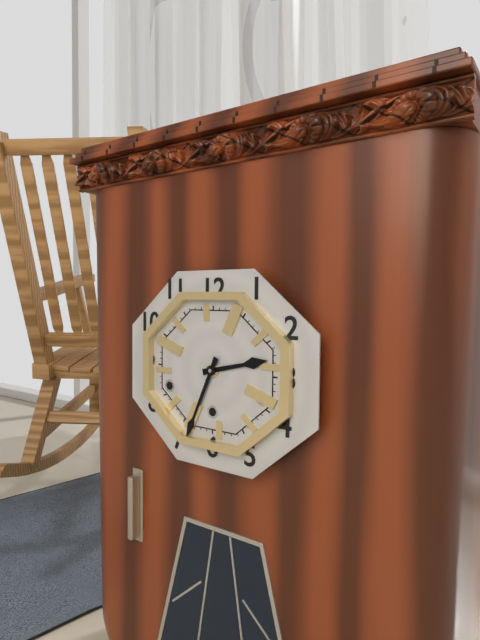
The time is 2:34
